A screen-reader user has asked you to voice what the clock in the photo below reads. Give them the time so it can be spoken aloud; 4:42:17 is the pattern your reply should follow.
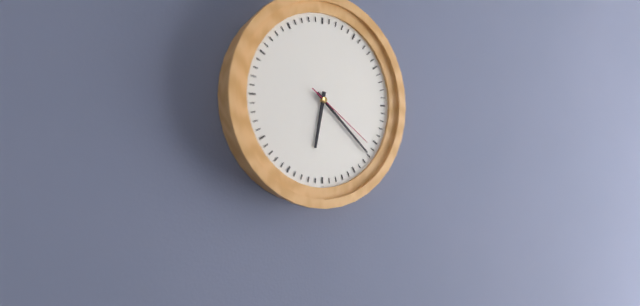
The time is 6:22:21
